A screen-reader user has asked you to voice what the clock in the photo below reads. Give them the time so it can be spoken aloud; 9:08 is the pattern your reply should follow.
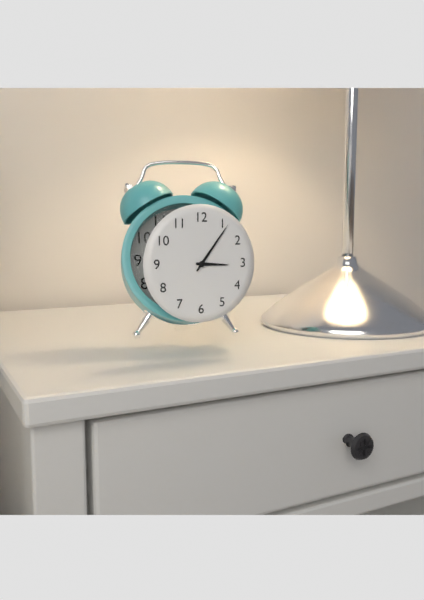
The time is 3:06
